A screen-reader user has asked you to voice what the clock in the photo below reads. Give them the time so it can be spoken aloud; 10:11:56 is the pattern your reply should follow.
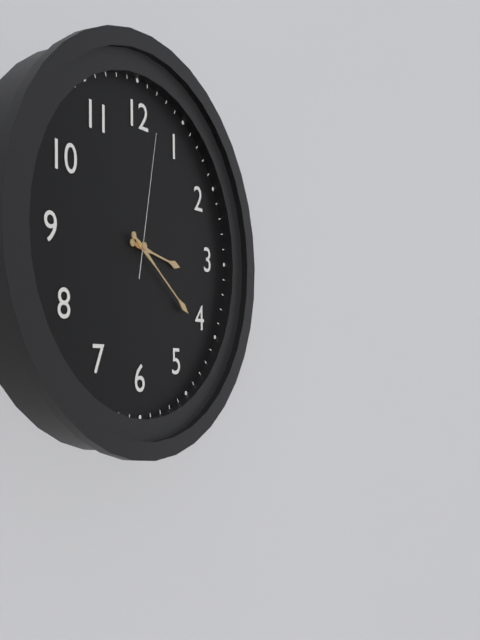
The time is 3:21:02
